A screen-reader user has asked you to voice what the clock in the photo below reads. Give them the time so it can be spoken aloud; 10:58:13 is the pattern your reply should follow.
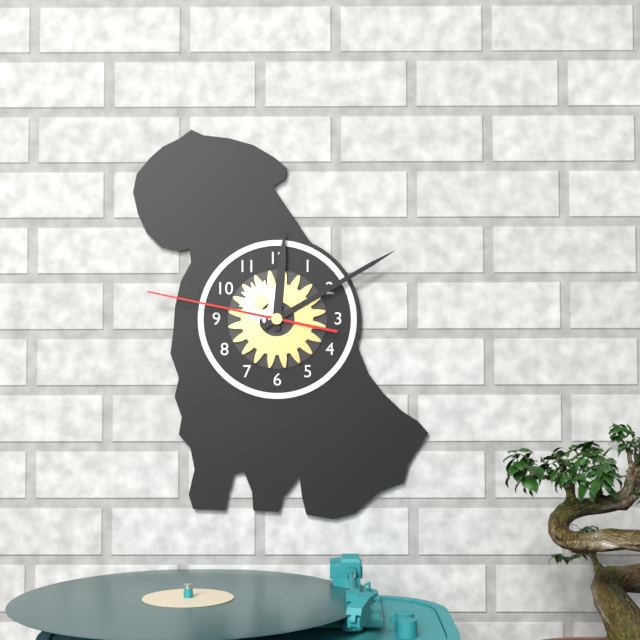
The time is 12:10:47
